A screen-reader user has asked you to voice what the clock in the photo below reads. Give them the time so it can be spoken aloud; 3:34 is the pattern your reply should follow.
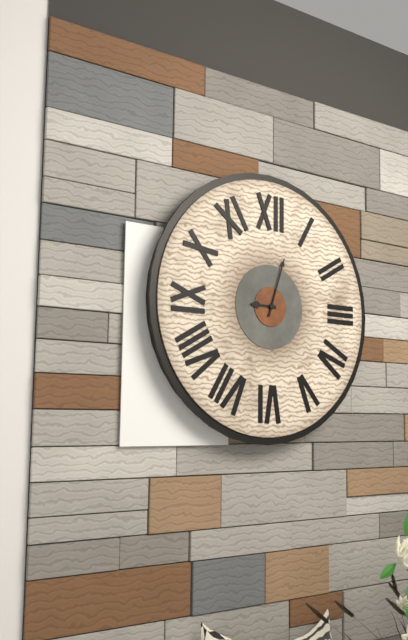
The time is 9:03
